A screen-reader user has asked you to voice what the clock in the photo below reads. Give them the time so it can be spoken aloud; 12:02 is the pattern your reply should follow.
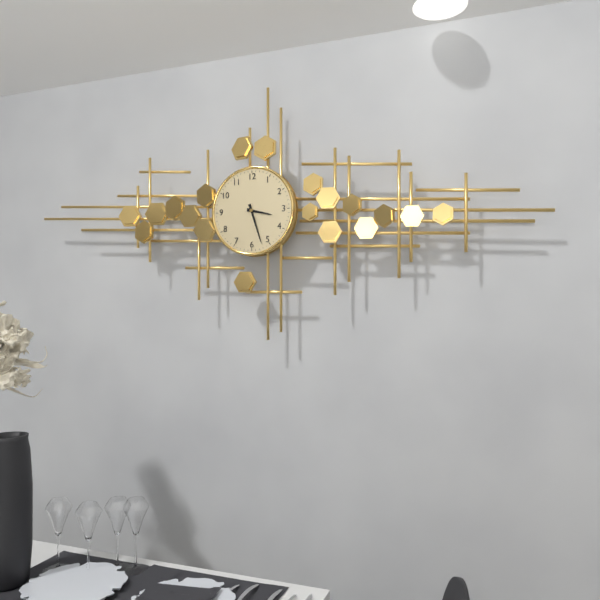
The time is 3:27
